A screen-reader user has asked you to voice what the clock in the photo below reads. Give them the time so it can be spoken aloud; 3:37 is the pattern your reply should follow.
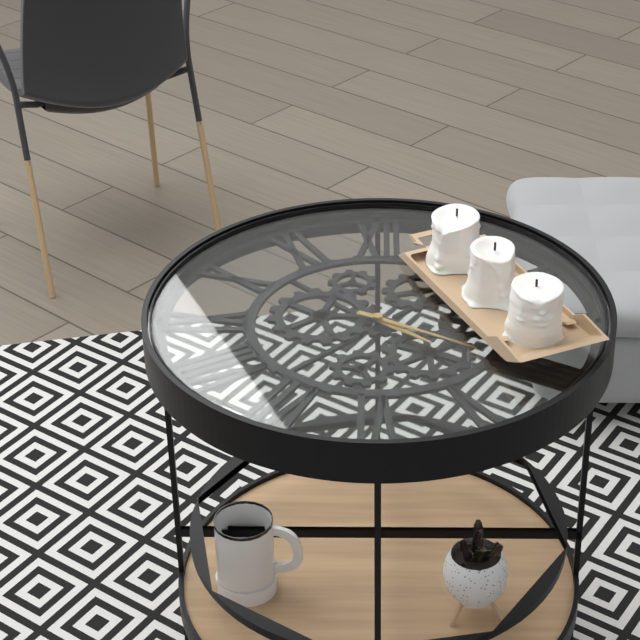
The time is 4:20
